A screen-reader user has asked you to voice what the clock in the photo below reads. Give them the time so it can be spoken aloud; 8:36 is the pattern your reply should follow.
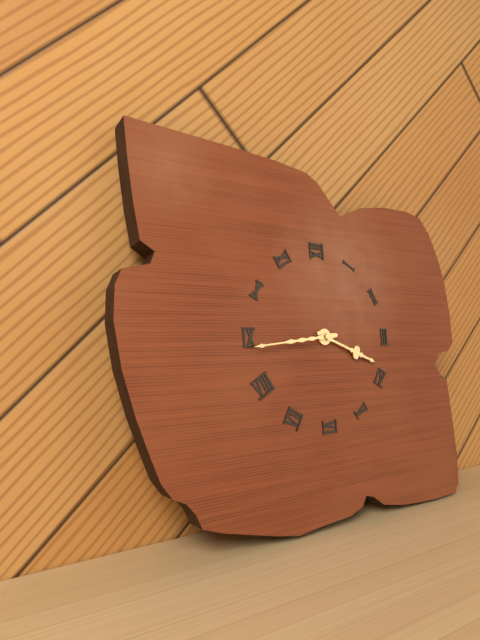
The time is 3:44
